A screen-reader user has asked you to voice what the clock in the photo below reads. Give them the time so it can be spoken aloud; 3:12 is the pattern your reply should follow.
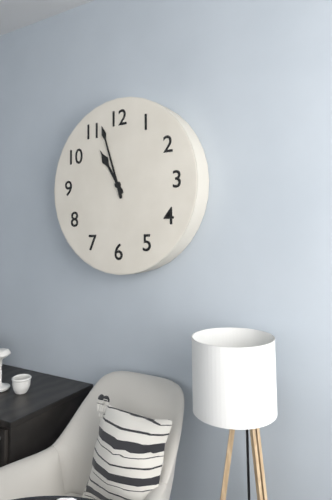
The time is 10:57
